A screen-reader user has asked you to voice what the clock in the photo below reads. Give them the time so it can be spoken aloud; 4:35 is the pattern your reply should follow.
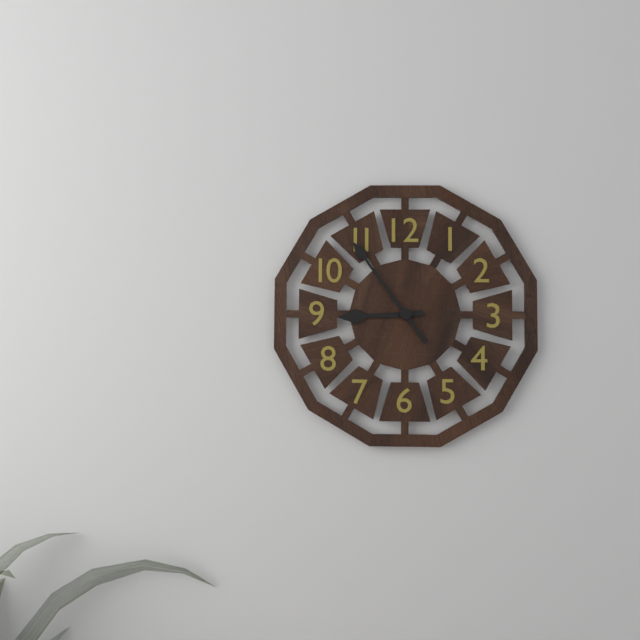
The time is 8:54
